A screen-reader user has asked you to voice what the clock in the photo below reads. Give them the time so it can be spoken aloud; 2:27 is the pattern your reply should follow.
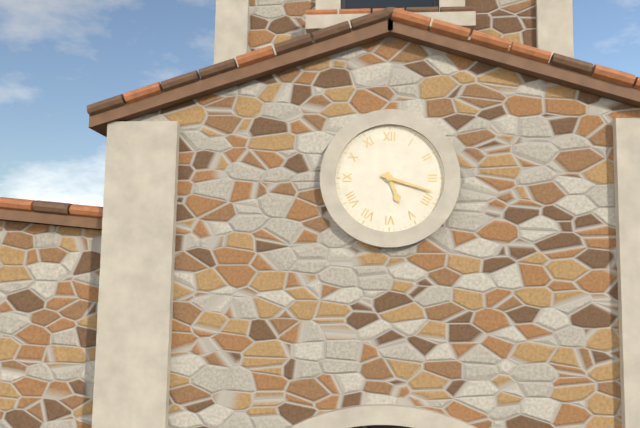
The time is 5:18
